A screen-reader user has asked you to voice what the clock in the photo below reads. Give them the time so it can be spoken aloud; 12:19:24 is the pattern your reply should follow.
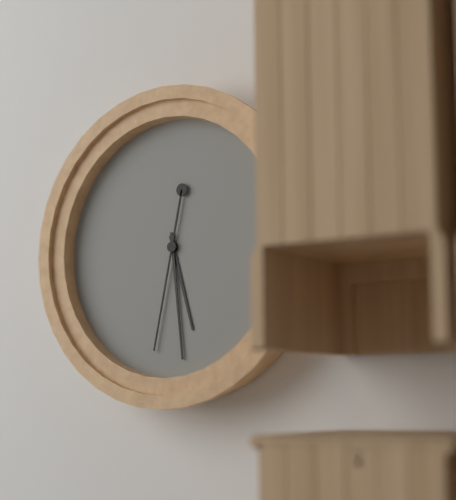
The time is 5:29:32
